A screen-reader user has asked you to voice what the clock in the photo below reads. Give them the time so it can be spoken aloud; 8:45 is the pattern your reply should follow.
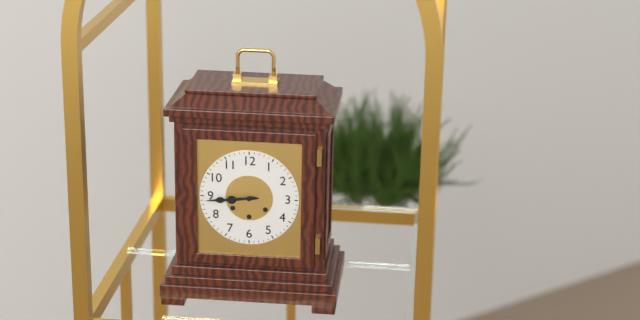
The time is 8:44
